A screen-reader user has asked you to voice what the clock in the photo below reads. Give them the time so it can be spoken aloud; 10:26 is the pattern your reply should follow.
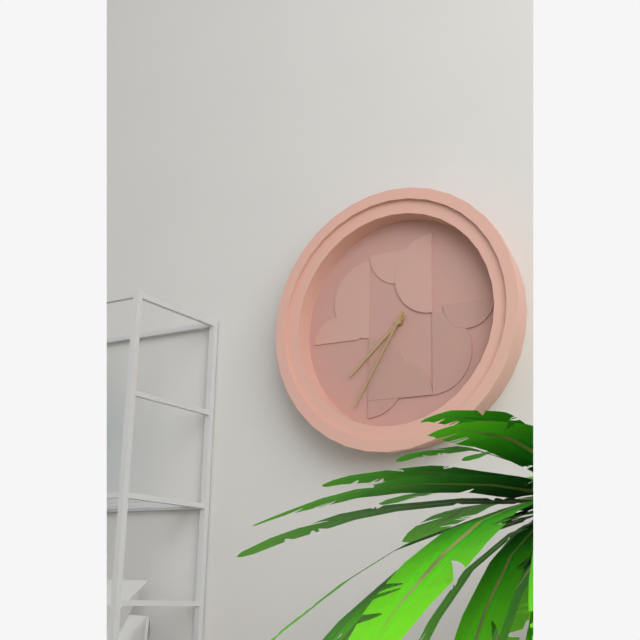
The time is 7:35
